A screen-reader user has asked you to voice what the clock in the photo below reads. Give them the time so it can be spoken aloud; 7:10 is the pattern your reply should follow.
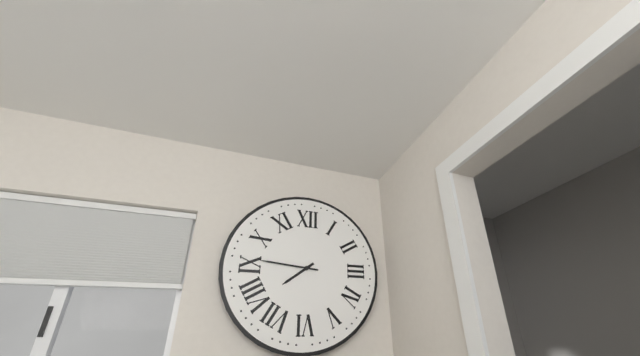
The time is 7:46
